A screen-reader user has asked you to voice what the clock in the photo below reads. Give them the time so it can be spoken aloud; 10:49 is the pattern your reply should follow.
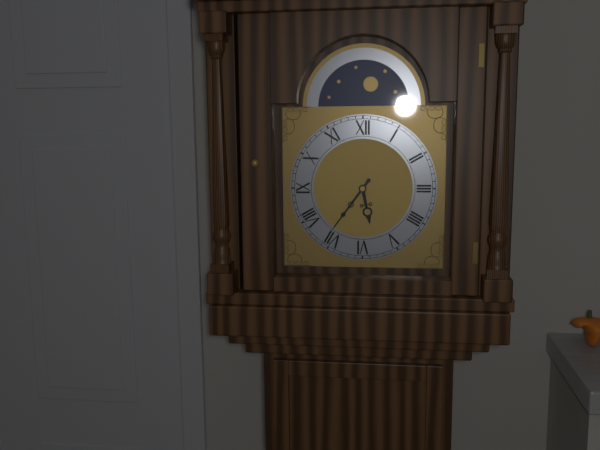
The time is 5:36
